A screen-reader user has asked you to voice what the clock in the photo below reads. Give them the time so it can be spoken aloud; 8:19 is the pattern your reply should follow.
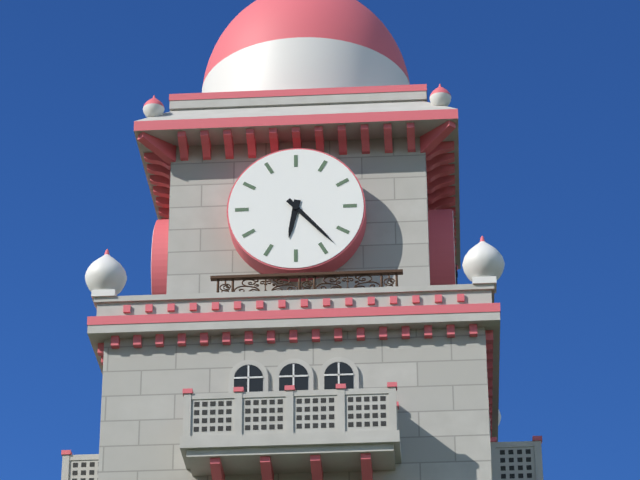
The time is 6:23
